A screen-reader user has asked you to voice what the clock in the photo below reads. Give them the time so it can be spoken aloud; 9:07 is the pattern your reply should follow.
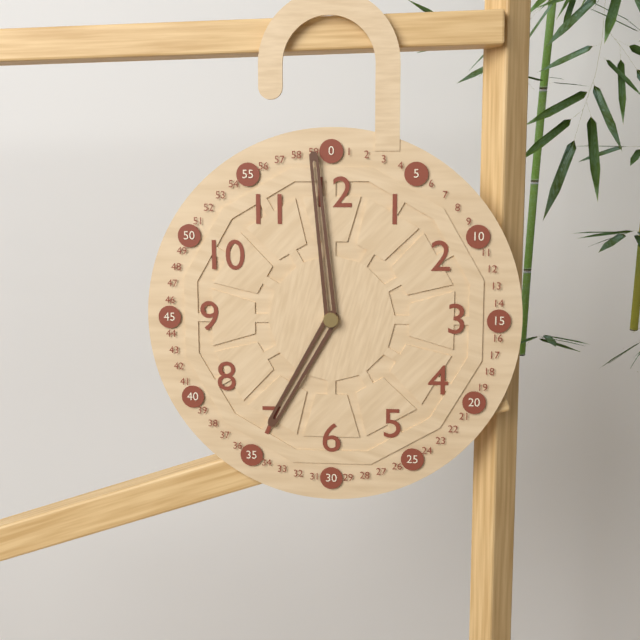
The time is 6:59
